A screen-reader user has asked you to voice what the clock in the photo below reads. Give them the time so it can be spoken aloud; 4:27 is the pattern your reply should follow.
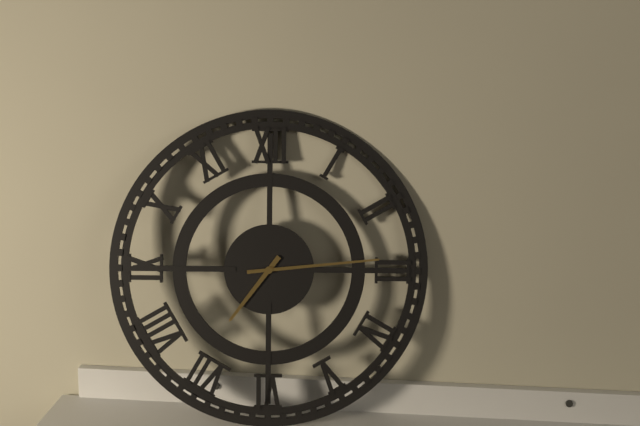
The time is 7:14
